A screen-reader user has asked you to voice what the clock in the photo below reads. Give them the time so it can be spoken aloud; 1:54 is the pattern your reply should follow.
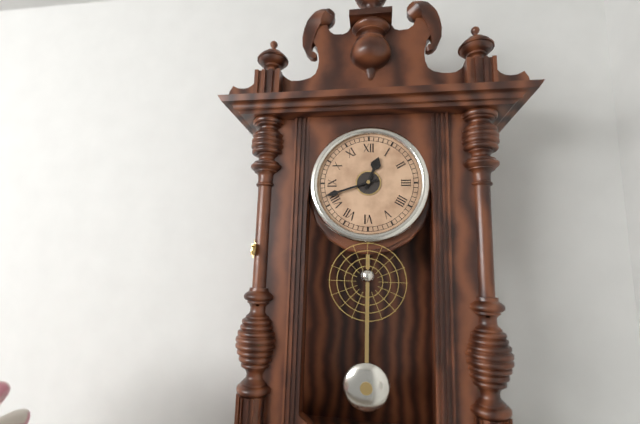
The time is 12:42
